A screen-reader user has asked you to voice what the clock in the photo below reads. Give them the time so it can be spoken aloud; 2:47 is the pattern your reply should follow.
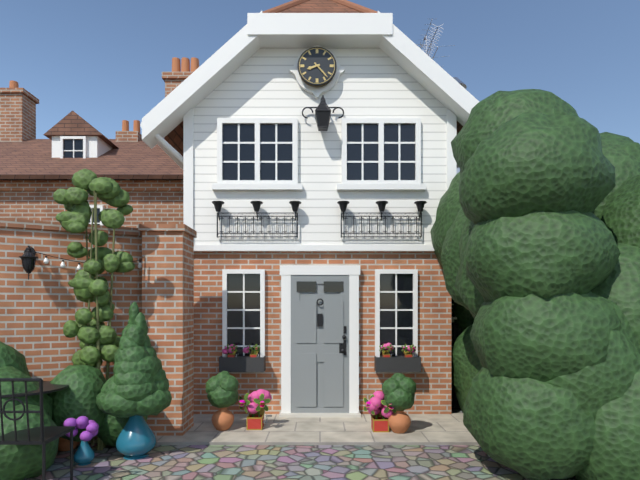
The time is 8:23
